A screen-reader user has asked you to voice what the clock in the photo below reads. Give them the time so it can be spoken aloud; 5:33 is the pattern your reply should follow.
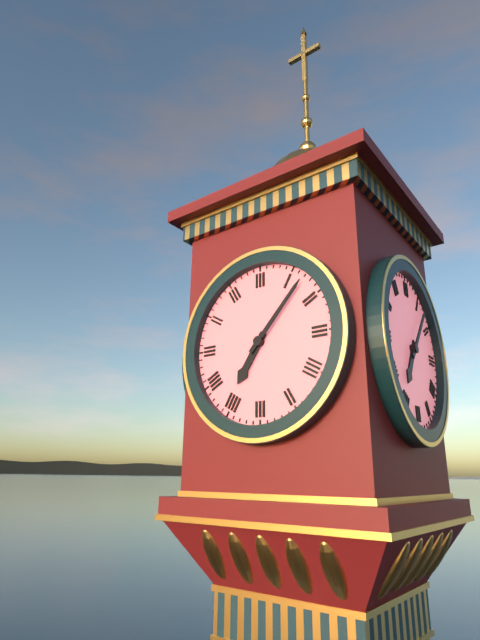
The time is 7:07
